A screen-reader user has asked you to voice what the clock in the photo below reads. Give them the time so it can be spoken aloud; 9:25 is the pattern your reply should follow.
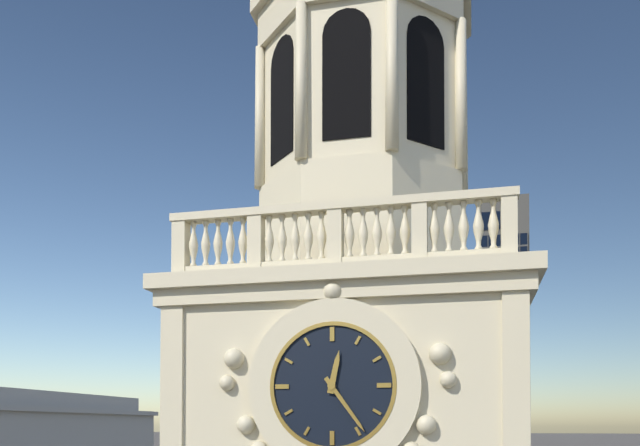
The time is 12:24
